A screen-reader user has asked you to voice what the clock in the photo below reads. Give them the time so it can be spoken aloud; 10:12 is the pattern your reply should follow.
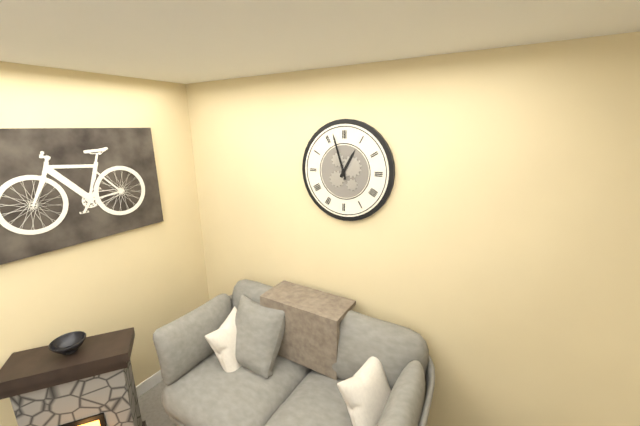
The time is 12:57
